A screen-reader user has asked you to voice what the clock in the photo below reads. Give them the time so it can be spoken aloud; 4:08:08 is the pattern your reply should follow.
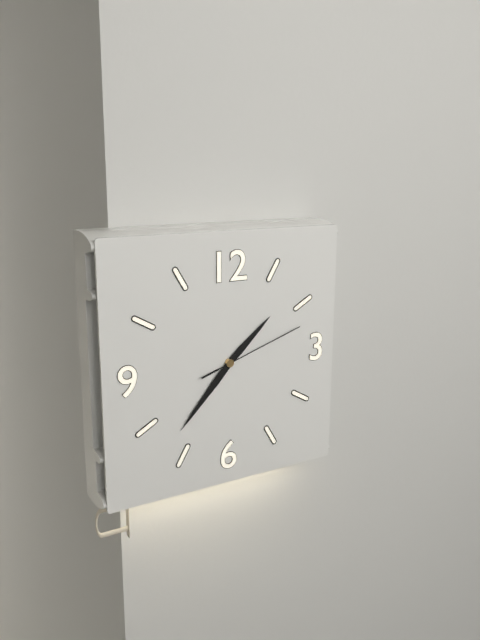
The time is 1:37:12
